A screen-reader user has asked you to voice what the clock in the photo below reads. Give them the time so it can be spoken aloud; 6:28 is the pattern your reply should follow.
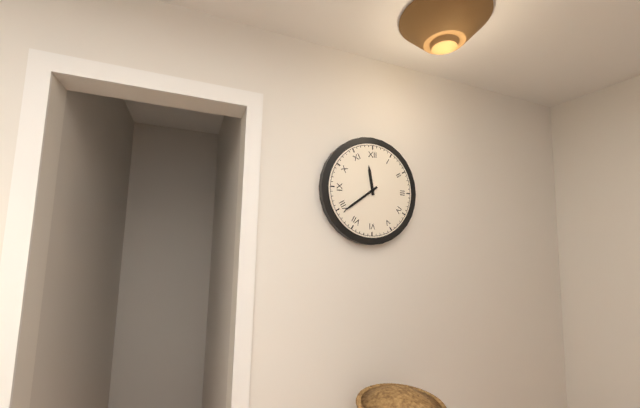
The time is 11:39
